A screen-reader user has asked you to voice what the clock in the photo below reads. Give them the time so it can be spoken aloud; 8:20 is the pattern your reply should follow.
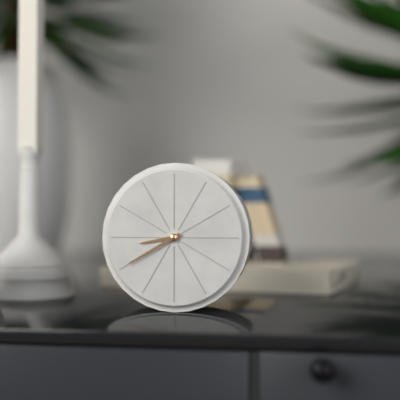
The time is 8:40
